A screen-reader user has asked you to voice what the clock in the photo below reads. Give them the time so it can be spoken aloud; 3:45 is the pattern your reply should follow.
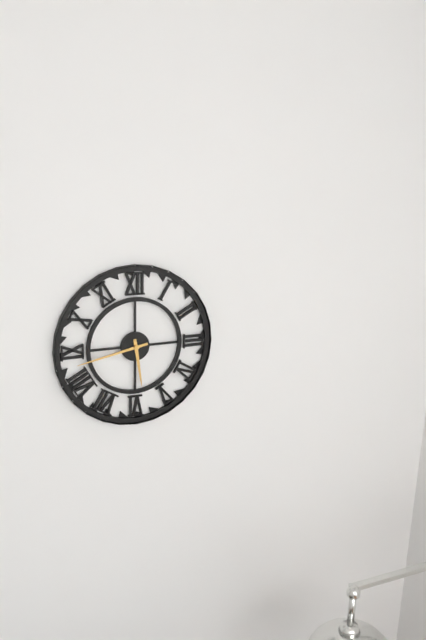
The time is 5:43
